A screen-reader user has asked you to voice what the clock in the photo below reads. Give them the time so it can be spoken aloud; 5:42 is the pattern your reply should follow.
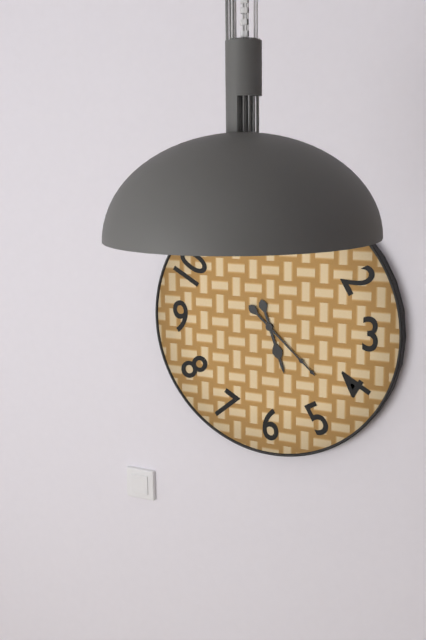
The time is 5:22
